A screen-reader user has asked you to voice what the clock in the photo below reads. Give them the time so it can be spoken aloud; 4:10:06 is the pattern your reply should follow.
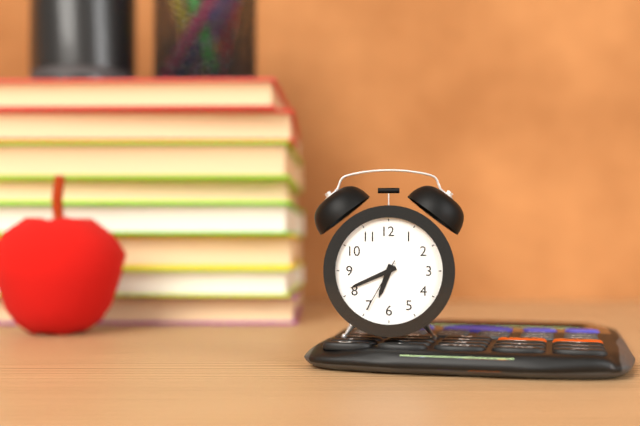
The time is 6:41:35
